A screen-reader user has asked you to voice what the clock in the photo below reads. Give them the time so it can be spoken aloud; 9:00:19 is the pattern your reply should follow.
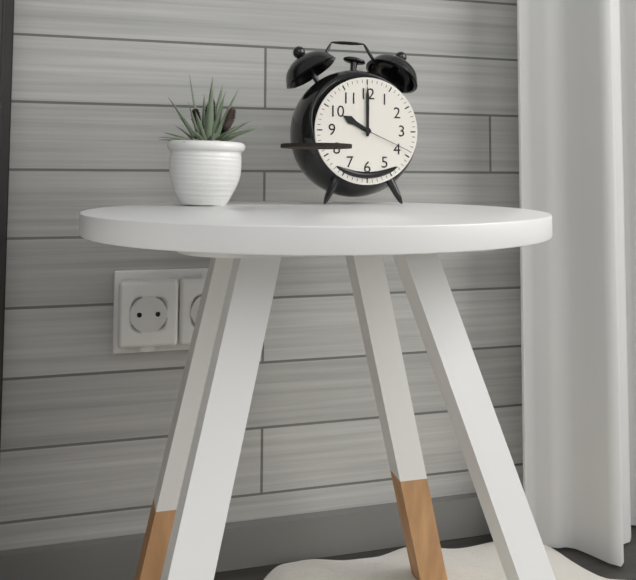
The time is 10:00:19
